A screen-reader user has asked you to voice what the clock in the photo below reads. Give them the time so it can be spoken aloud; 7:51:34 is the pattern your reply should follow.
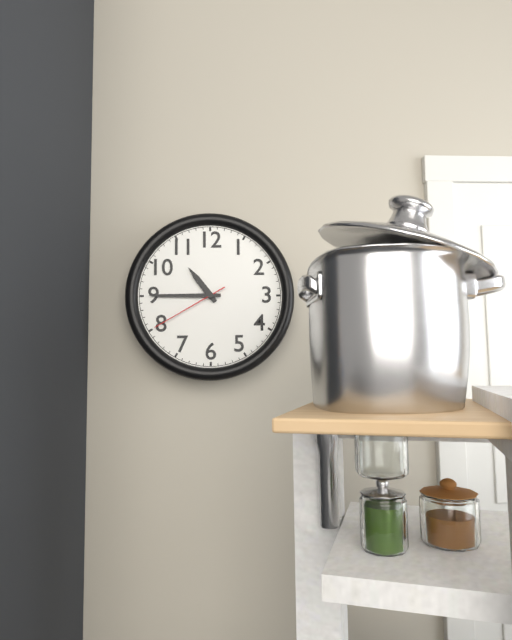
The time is 10:45:40
